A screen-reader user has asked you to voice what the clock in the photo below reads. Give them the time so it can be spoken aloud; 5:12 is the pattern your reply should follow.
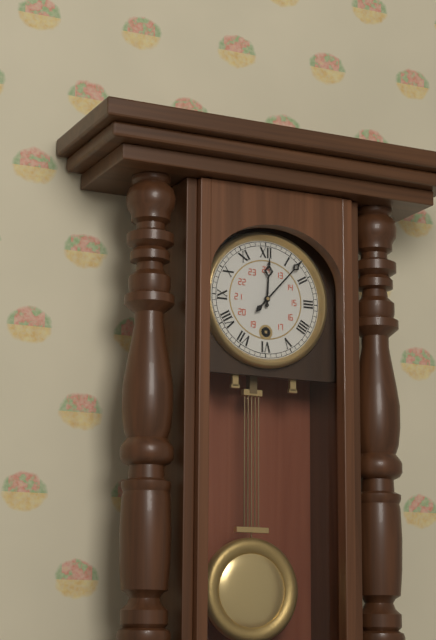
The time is 12:07
